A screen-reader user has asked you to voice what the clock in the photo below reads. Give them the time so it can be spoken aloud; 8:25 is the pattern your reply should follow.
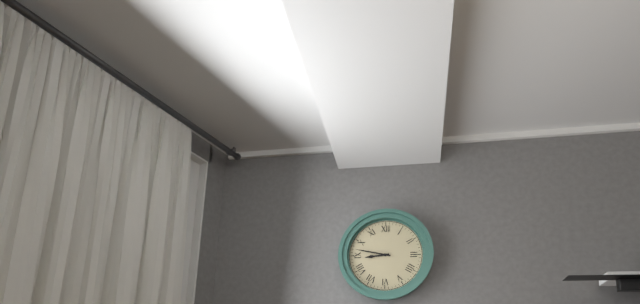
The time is 8:47
